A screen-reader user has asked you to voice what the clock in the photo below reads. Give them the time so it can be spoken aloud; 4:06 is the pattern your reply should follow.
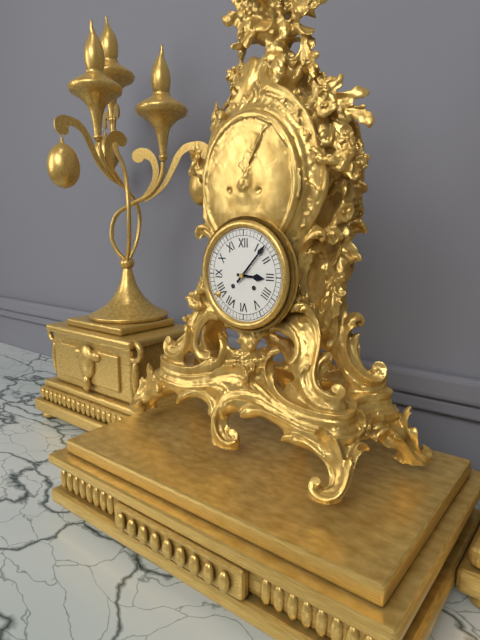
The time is 3:07
